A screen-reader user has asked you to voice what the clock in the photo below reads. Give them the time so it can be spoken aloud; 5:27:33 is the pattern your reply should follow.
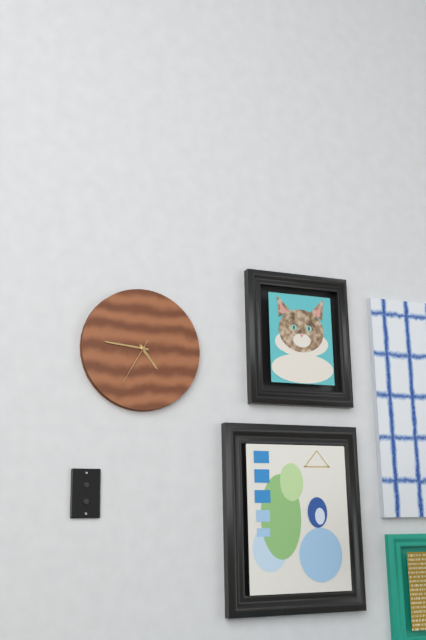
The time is 4:46:35
